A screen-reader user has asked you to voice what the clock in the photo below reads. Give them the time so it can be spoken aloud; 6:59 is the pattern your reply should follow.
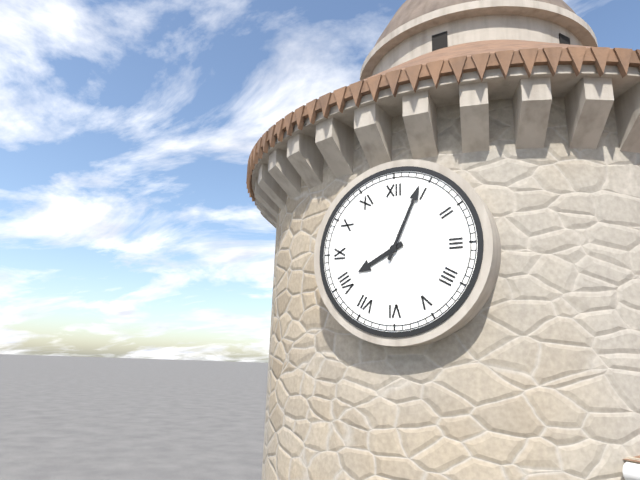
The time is 8:04
